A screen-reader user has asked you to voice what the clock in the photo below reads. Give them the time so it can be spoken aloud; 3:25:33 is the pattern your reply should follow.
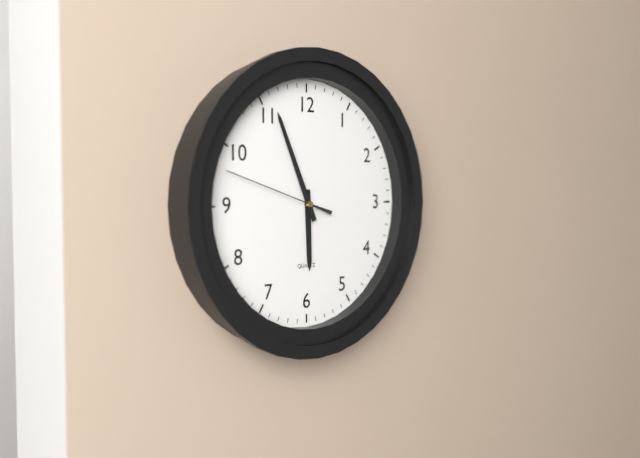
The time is 5:56:48
